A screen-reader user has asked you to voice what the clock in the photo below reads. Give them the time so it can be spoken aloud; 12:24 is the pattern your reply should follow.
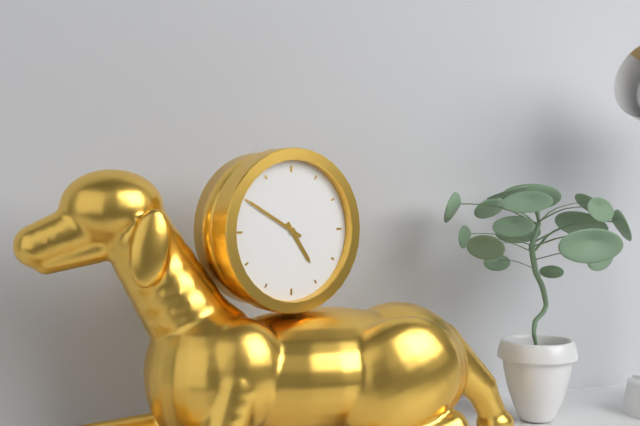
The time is 4:50
